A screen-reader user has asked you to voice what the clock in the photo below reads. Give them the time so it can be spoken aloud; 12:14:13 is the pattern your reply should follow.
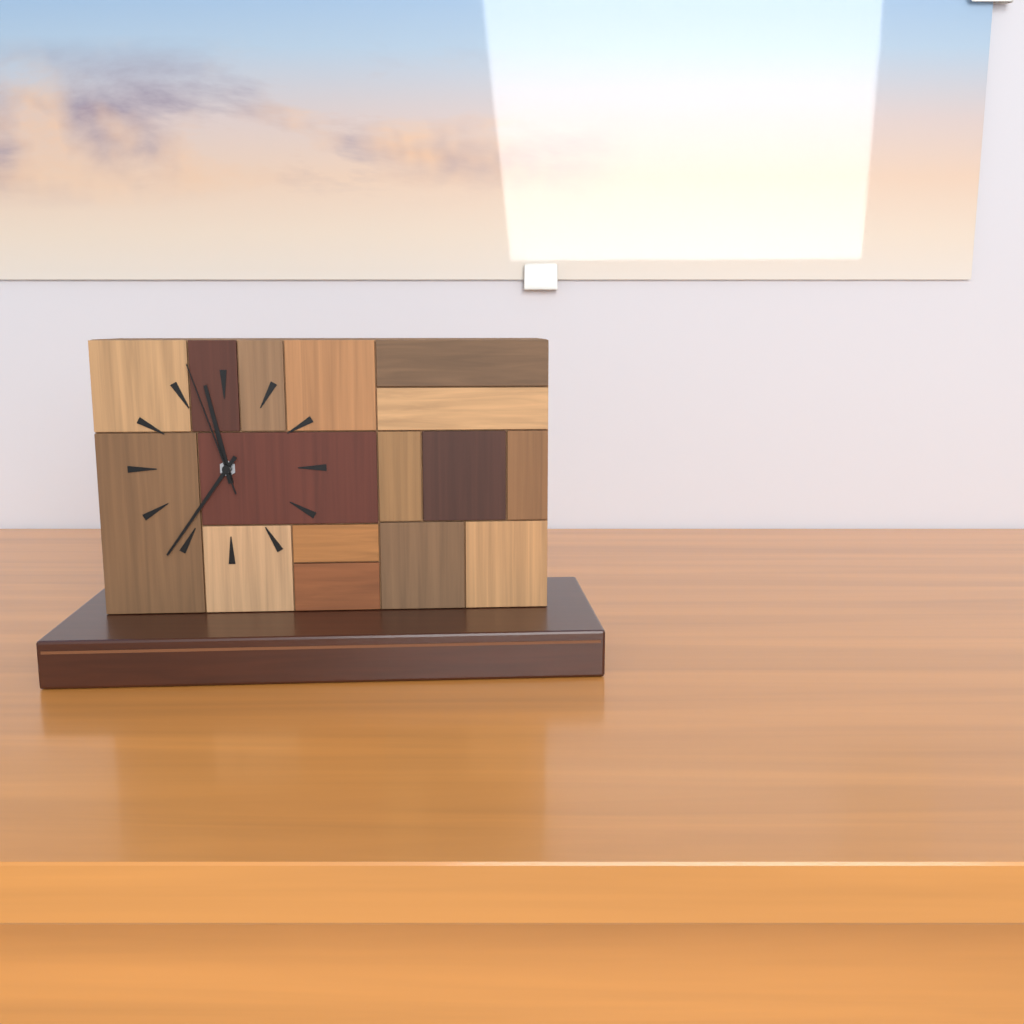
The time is 11:36:57
